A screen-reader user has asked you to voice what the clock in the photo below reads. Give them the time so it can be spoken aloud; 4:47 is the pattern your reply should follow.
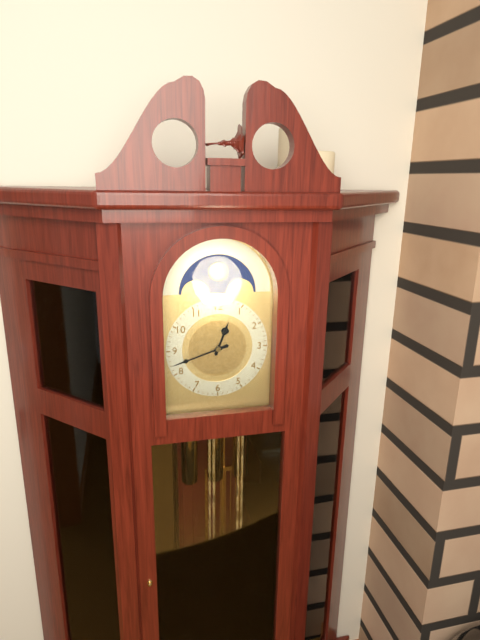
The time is 12:42
